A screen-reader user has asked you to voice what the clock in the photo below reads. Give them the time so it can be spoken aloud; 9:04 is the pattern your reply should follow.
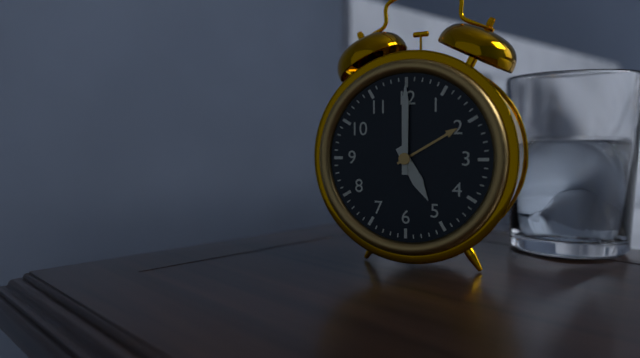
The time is 5:00
